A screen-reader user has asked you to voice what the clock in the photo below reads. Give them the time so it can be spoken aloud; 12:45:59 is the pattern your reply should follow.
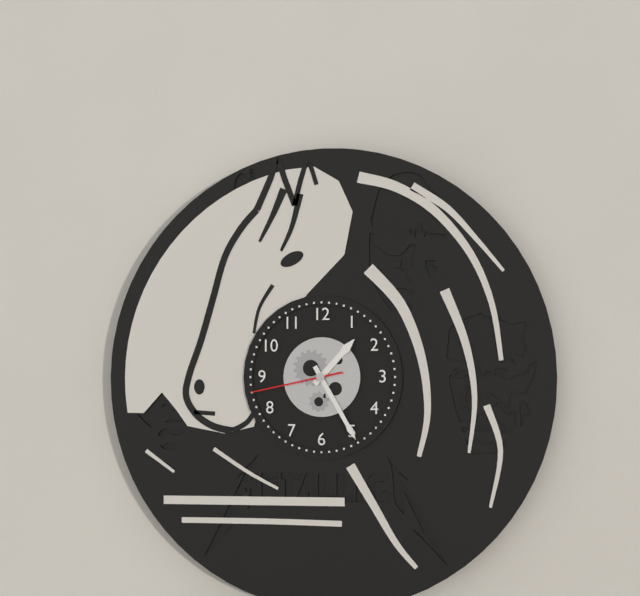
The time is 1:25:43
